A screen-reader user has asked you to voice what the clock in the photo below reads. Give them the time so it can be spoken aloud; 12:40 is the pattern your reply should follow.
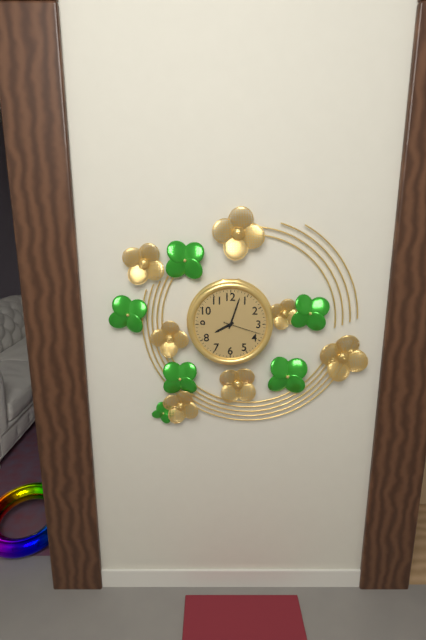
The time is 8:03
